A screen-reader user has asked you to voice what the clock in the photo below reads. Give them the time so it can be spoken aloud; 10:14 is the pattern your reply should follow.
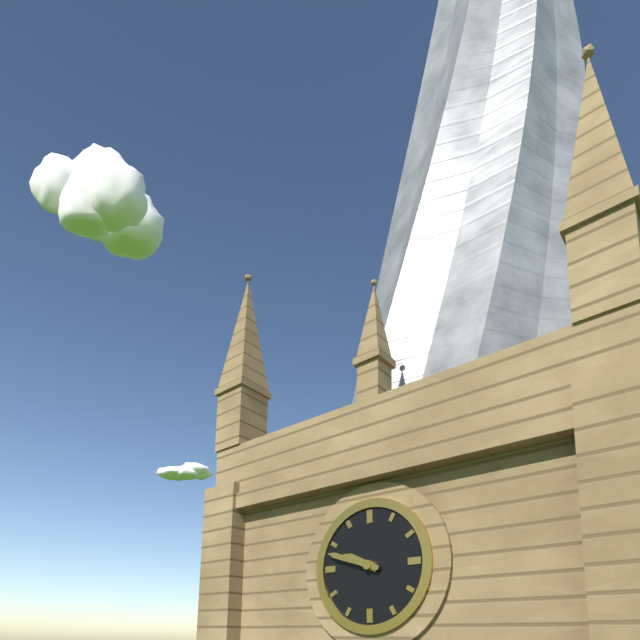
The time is 9:48
